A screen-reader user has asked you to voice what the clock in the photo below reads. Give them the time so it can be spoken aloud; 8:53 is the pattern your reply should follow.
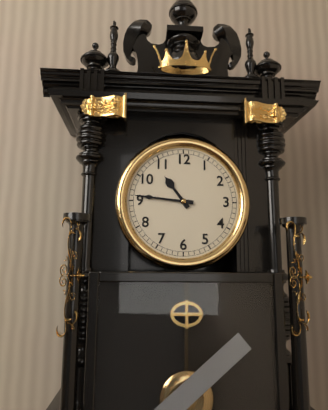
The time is 10:46
